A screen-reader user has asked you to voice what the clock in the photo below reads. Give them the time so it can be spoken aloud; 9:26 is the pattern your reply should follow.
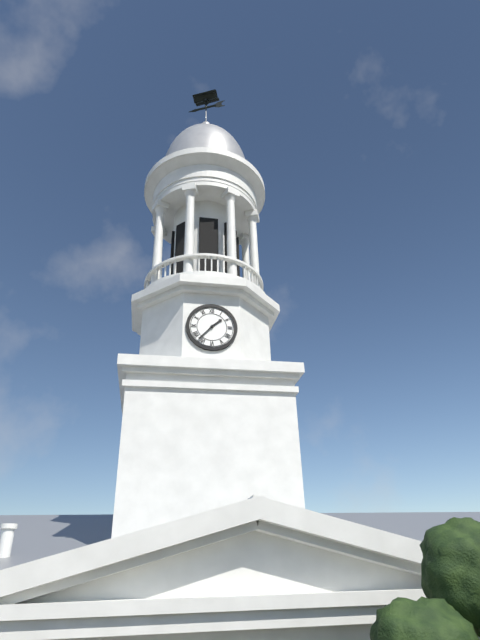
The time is 1:37
